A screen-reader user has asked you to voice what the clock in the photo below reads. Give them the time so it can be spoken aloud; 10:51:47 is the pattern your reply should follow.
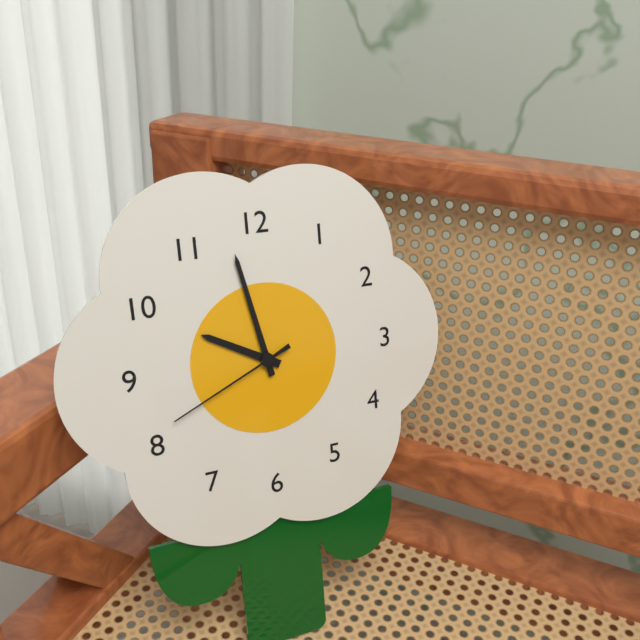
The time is 9:58:41
